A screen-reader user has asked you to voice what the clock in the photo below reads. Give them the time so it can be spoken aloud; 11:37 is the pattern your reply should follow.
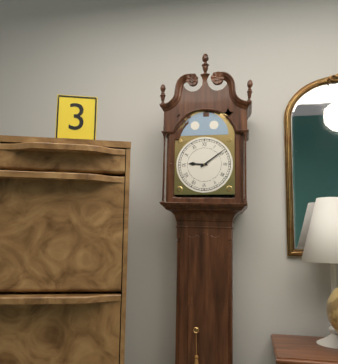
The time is 9:09
